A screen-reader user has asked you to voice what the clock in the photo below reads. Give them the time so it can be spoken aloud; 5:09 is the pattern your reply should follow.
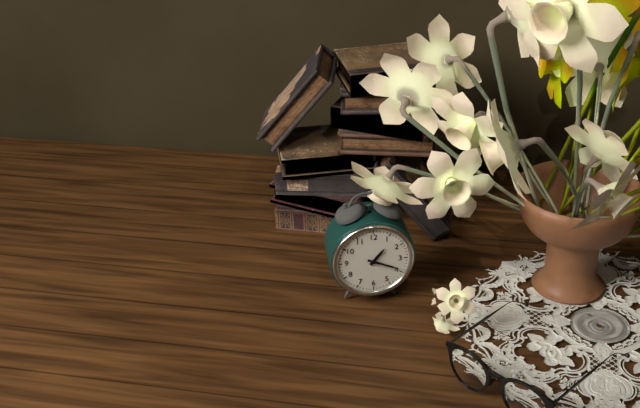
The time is 1:19
